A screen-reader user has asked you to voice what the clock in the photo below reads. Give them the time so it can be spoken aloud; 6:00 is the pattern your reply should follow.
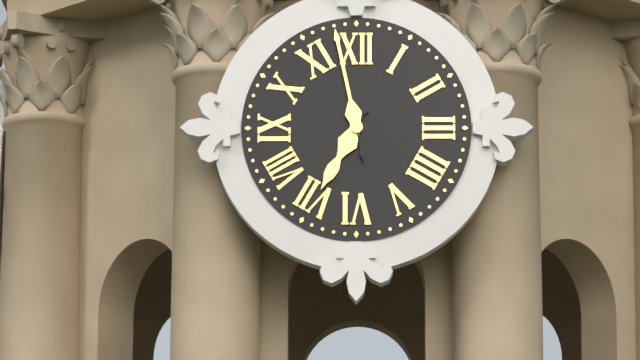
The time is 6:58
